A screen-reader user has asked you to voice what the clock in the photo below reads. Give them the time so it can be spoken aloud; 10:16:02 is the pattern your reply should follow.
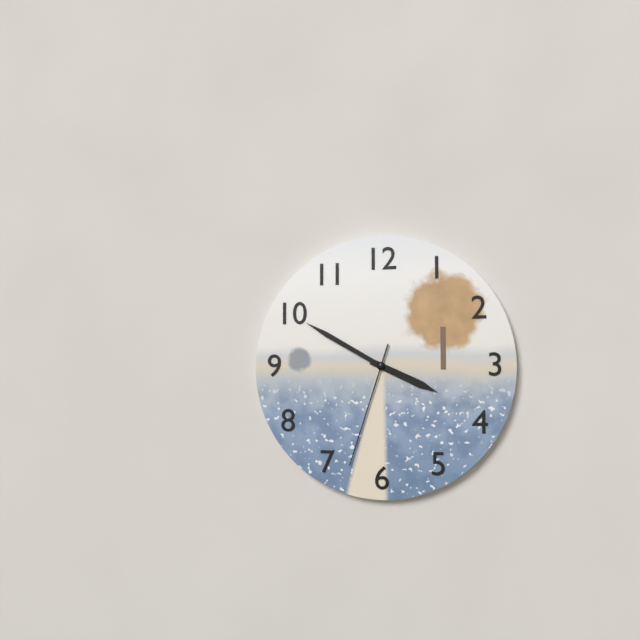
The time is 3:50:33
